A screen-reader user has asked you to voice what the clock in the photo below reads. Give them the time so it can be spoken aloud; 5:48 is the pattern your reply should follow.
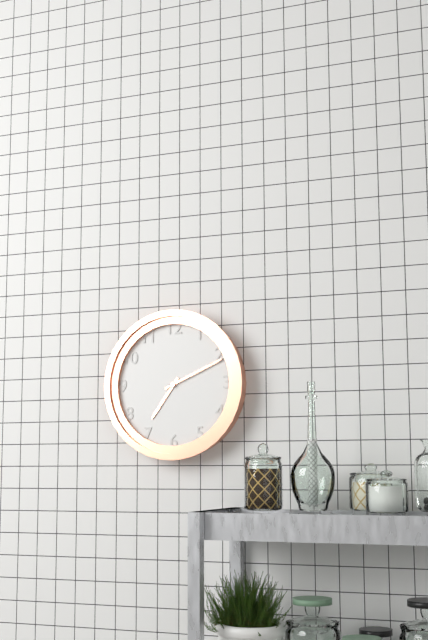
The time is 7:11
